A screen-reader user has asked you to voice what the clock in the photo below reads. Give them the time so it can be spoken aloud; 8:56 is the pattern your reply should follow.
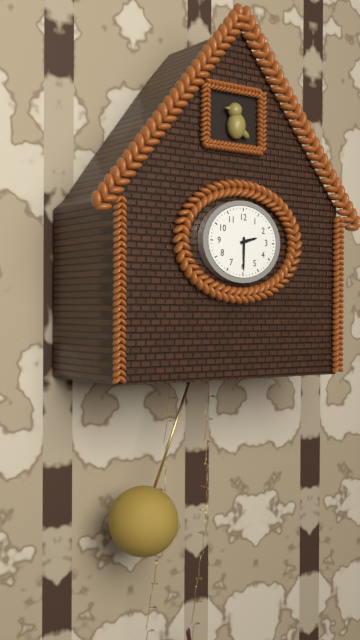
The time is 2:30
